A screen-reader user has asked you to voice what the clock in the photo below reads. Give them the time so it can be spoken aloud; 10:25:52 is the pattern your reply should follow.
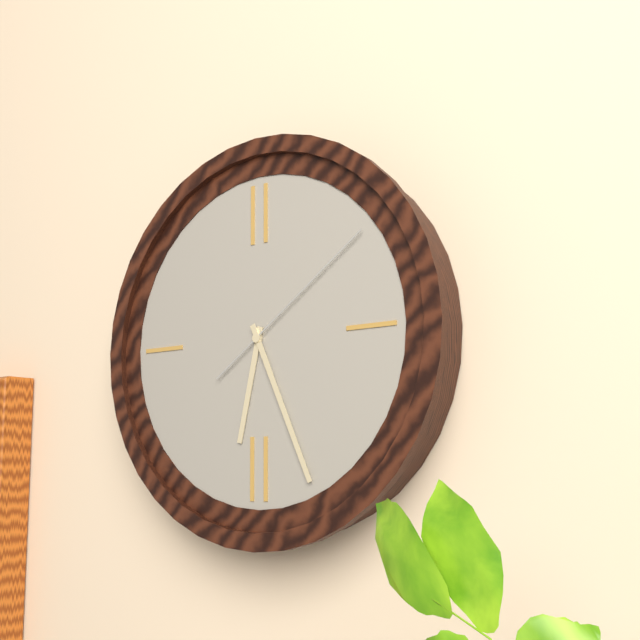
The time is 6:26:09
